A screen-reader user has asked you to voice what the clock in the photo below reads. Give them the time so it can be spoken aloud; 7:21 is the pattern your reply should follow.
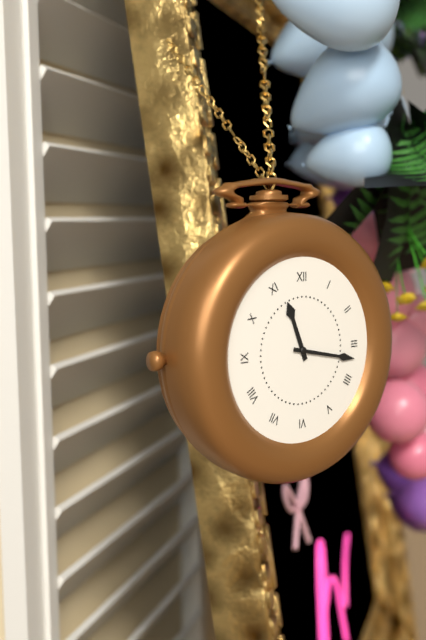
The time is 11:17
